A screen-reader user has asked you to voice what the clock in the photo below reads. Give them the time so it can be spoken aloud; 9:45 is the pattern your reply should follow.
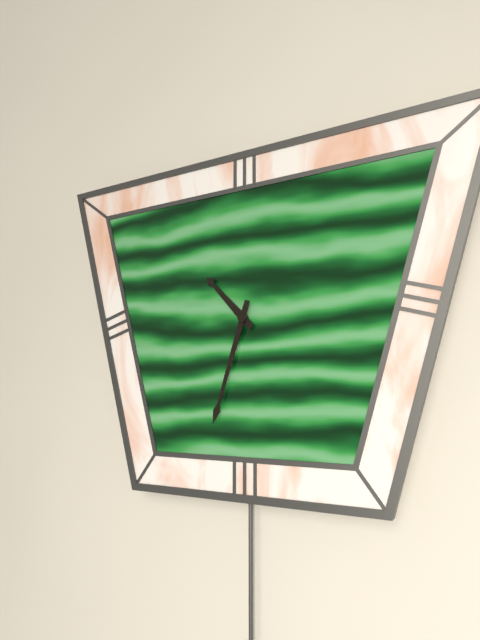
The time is 10:33
